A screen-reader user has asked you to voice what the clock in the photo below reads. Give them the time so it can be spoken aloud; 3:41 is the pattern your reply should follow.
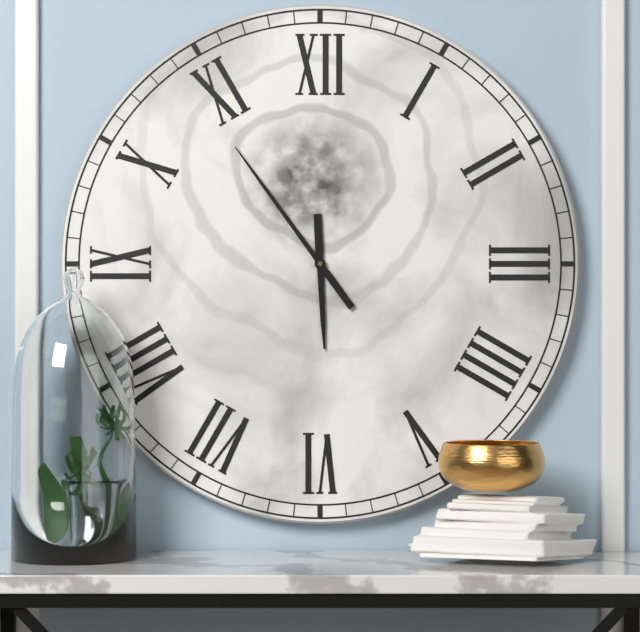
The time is 5:54
